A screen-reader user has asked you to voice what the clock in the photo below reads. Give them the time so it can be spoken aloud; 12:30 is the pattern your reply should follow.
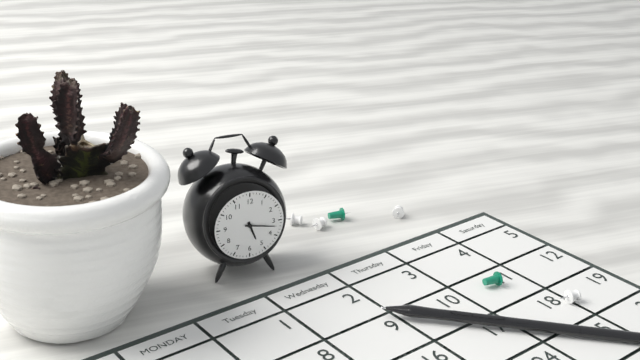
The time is 5:17
